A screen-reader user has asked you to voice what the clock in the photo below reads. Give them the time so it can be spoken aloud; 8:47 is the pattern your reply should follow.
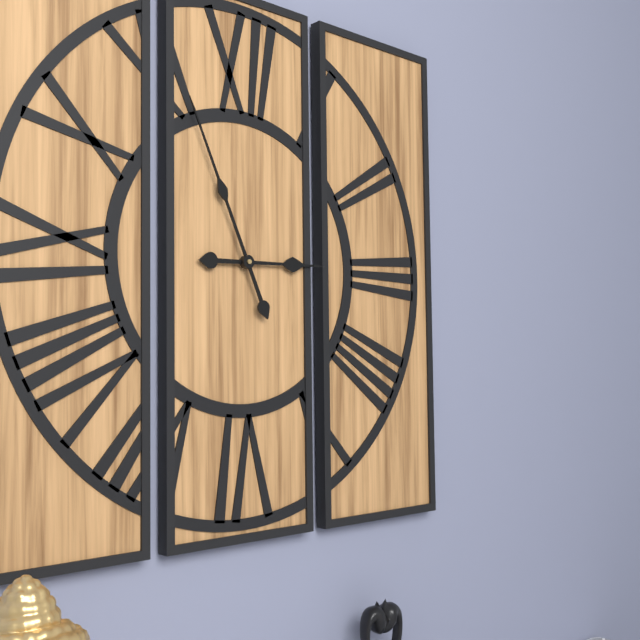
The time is 2:56
